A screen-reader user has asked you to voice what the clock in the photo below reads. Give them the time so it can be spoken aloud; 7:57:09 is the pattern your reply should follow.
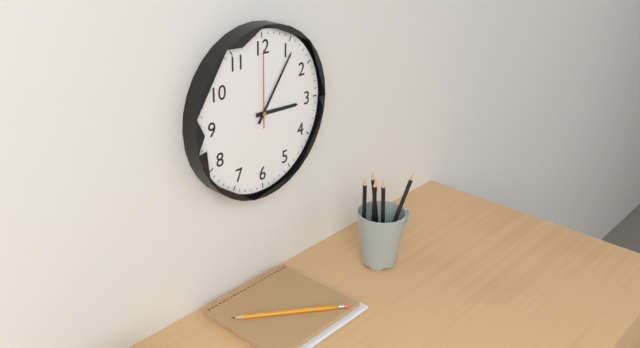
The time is 3:06:00
